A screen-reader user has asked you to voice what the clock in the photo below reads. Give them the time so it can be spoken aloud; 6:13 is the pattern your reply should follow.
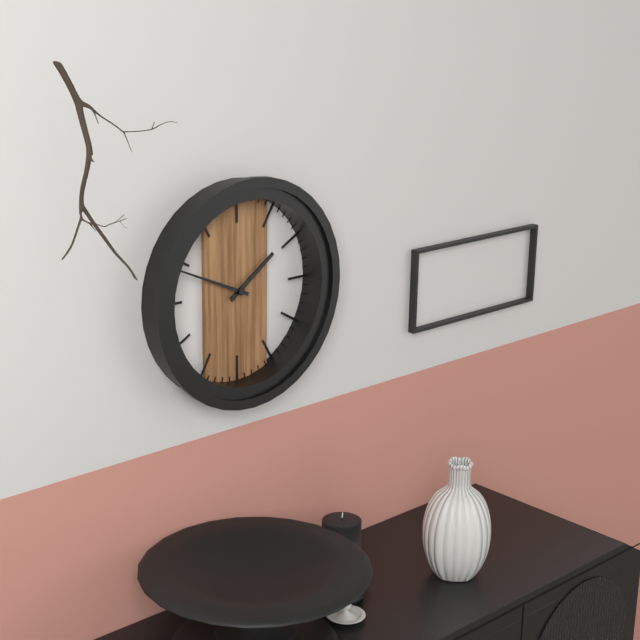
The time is 1:49
